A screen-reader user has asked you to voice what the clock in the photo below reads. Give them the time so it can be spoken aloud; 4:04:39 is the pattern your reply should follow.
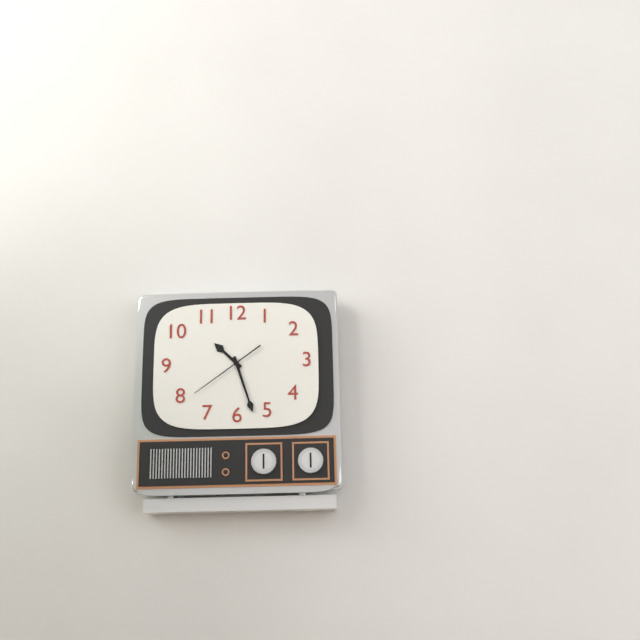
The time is 10:27:39
